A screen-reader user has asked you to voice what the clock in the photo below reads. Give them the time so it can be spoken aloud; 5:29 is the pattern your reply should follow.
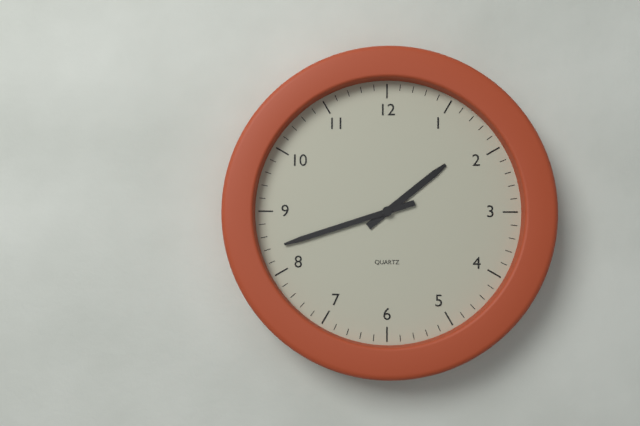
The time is 1:42
